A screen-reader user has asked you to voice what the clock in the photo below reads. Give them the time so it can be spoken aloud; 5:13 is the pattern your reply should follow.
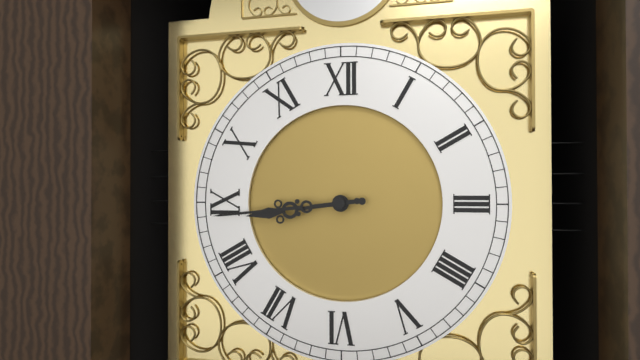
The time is 8:44
